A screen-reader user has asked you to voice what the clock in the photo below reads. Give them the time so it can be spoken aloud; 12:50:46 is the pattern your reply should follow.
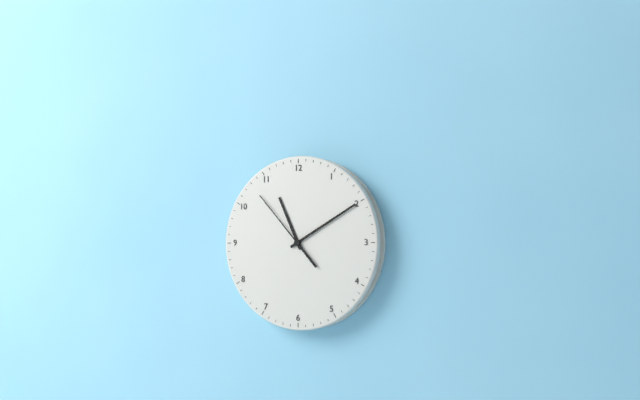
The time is 11:10:53
